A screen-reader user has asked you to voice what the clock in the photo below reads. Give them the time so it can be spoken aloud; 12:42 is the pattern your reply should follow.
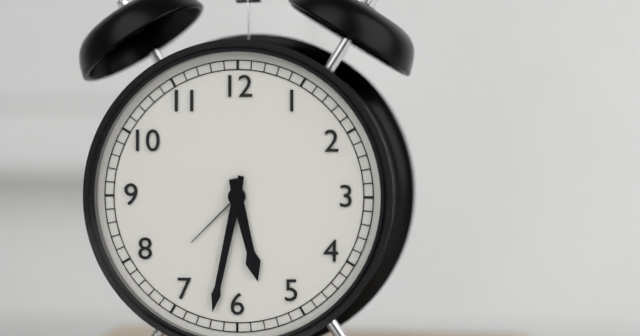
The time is 5:32
